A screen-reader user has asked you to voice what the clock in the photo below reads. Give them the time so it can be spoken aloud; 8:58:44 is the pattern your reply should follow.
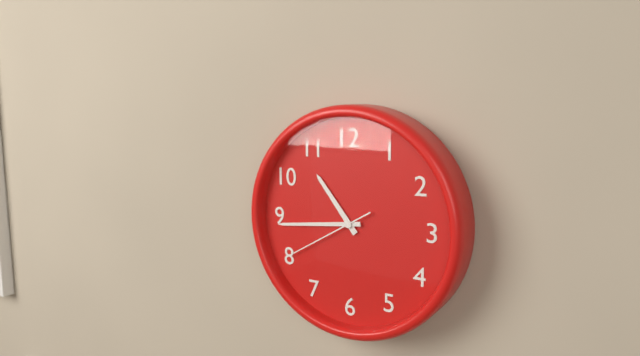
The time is 10:44:40
